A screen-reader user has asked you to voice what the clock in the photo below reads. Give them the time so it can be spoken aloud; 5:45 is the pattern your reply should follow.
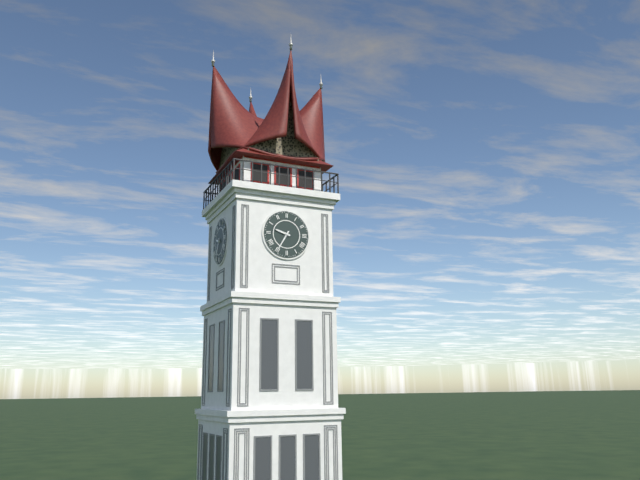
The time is 9:35
